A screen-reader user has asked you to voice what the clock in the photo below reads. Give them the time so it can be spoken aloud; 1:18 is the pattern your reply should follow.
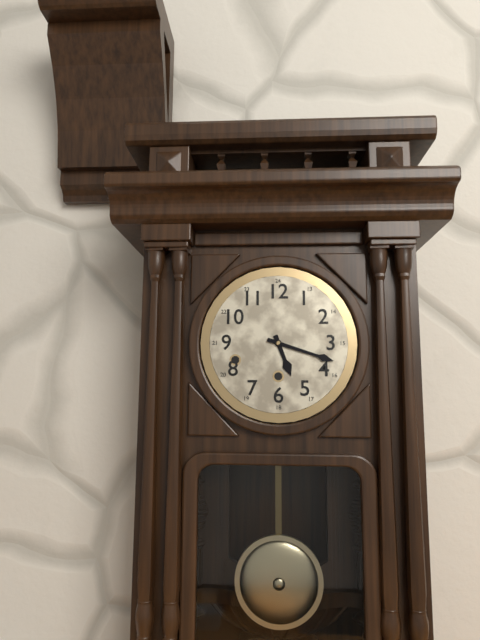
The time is 5:18
